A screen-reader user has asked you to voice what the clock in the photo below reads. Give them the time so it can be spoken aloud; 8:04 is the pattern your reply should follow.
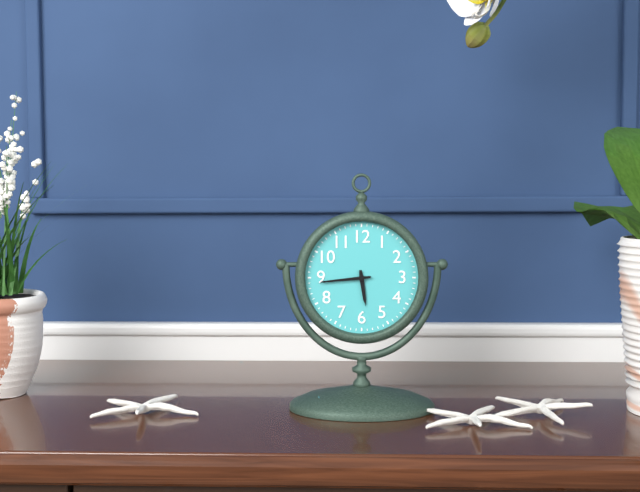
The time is 5:44
